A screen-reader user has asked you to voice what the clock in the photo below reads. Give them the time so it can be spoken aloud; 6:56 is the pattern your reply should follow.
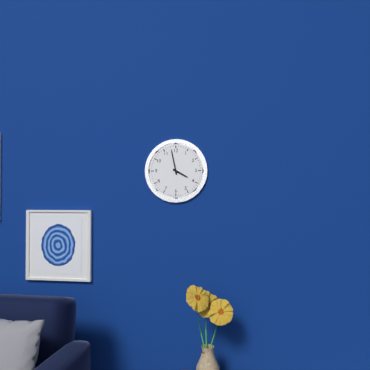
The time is 3:58
